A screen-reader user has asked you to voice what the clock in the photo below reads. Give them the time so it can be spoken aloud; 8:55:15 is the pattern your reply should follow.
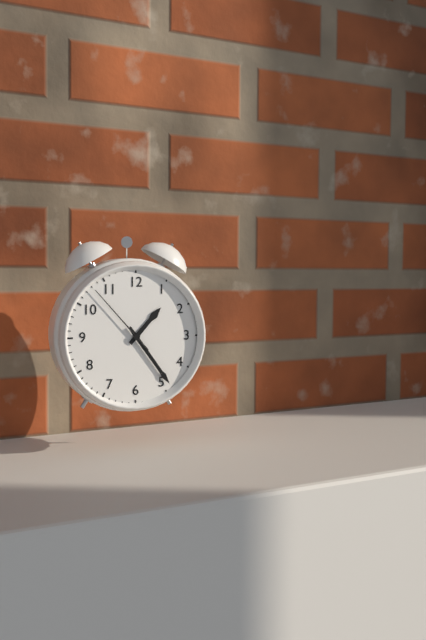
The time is 1:24:53
